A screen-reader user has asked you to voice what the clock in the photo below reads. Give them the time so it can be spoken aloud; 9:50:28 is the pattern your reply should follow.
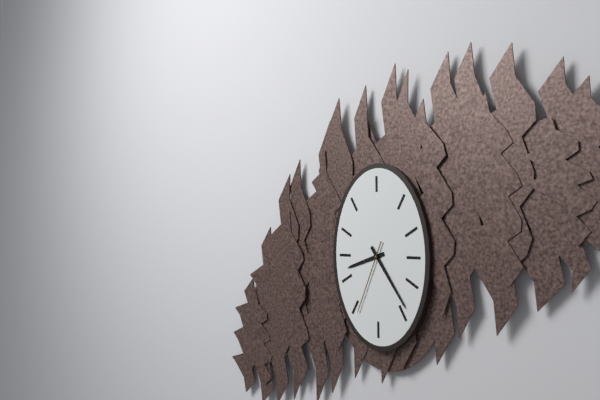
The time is 8:24:34
